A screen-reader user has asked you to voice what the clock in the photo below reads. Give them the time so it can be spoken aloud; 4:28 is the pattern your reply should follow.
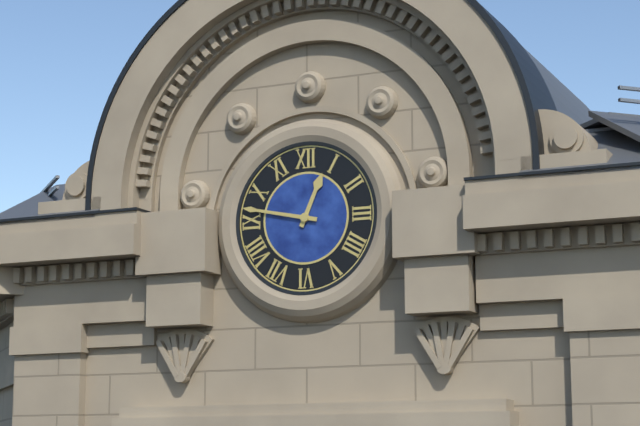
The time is 12:47
